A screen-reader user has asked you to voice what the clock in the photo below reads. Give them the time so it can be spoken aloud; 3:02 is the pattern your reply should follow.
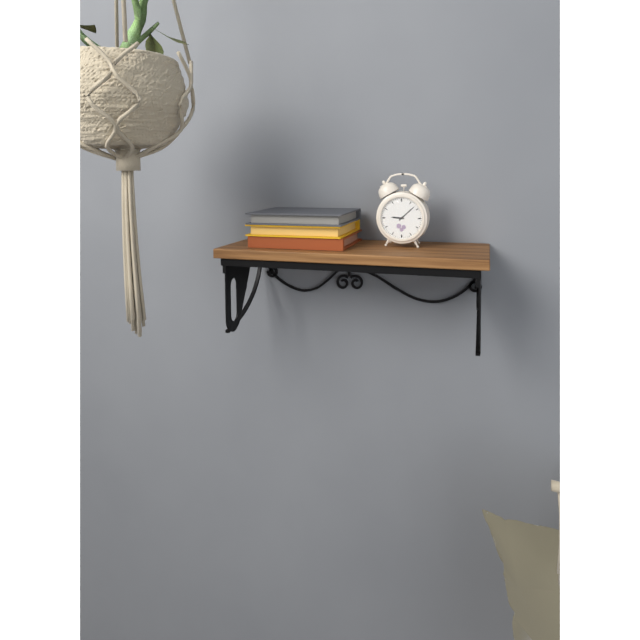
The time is 9:08
